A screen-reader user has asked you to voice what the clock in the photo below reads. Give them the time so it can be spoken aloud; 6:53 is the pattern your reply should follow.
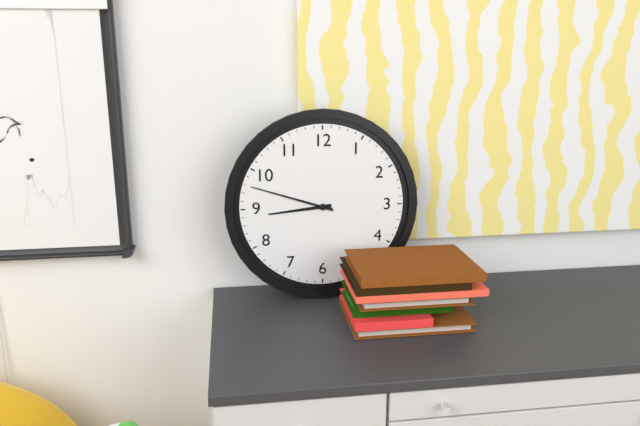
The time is 8:48
